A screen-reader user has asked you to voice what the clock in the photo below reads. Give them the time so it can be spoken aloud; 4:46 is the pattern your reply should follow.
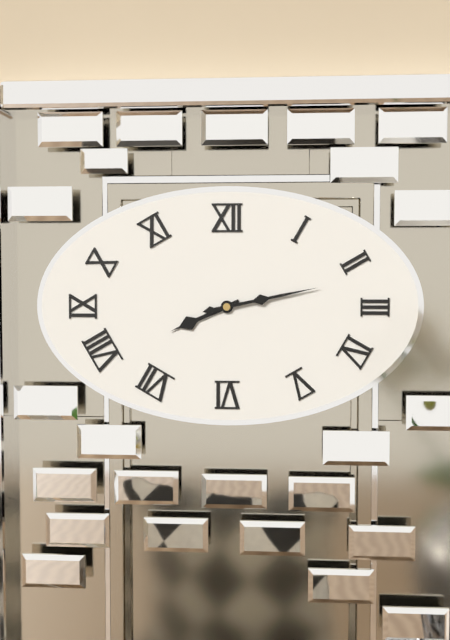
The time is 8:13
